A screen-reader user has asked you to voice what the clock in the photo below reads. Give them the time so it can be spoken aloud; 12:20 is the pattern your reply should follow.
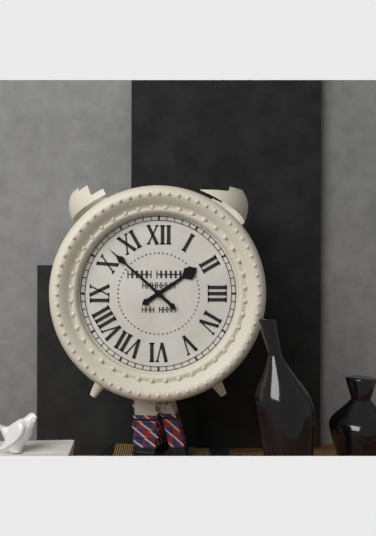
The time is 1:52
